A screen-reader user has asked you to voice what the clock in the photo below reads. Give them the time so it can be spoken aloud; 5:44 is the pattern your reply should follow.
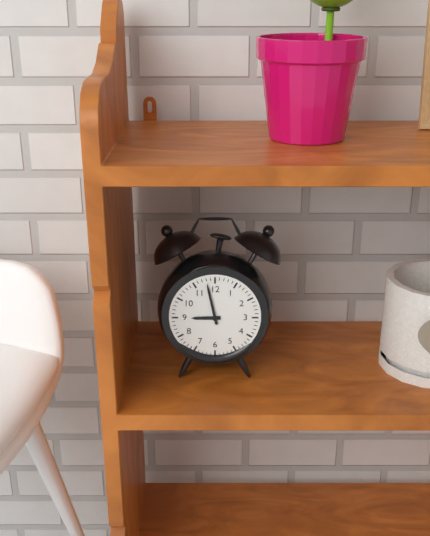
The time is 8:58
